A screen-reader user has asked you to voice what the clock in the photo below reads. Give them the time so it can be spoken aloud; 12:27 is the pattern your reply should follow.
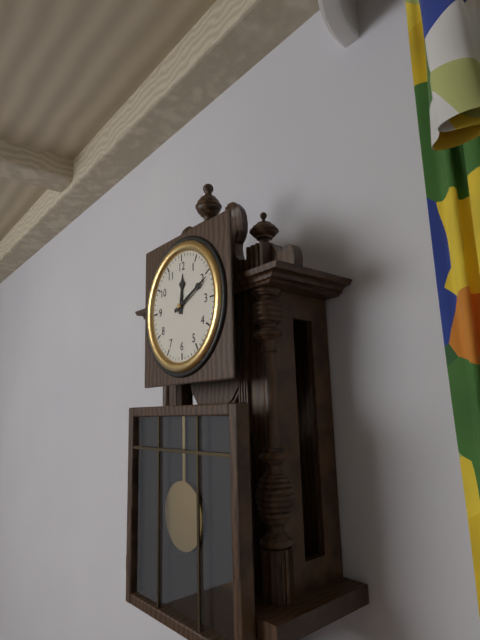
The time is 12:11
